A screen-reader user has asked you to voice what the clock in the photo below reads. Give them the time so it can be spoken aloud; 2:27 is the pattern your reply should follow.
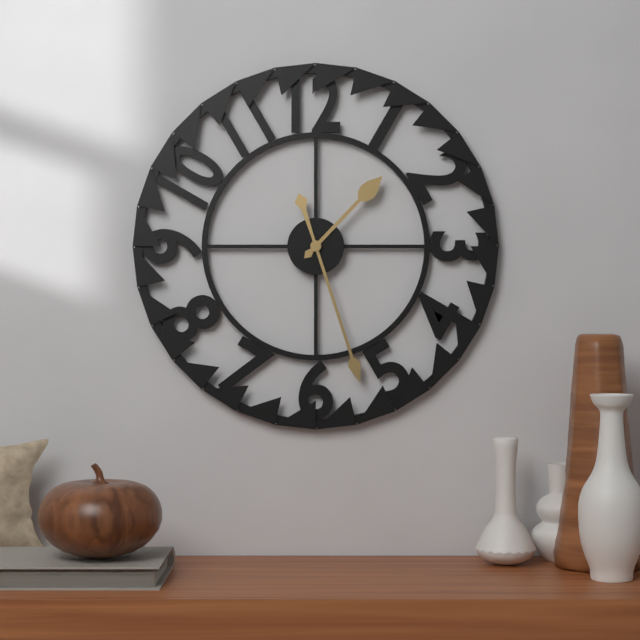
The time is 1:27
